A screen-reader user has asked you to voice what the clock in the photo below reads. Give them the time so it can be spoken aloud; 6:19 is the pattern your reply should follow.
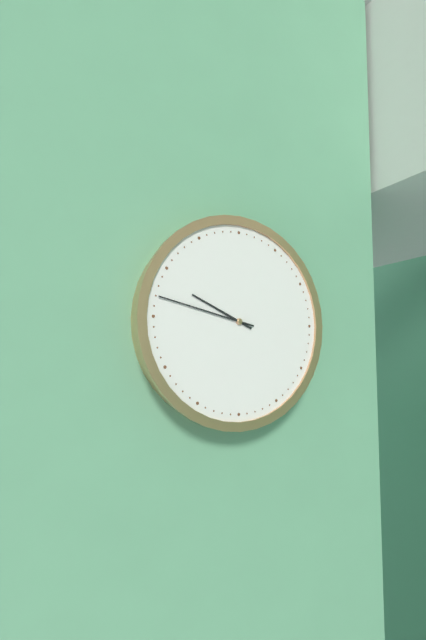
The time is 9:47
